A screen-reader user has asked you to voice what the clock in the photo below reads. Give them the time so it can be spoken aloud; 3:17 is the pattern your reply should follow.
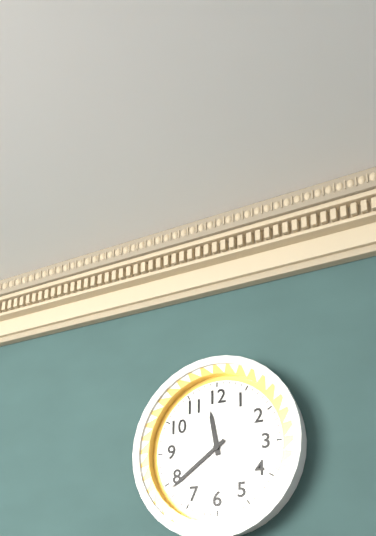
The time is 11:39
